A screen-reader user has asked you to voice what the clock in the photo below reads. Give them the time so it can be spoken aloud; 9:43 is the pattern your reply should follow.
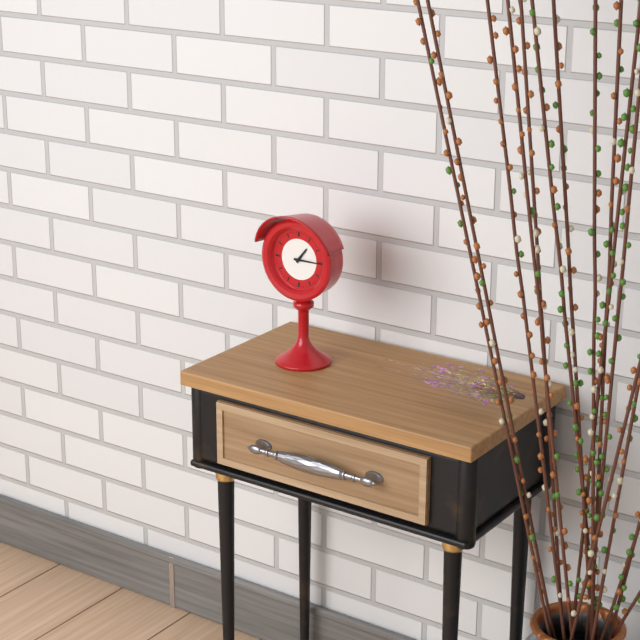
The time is 1:15
